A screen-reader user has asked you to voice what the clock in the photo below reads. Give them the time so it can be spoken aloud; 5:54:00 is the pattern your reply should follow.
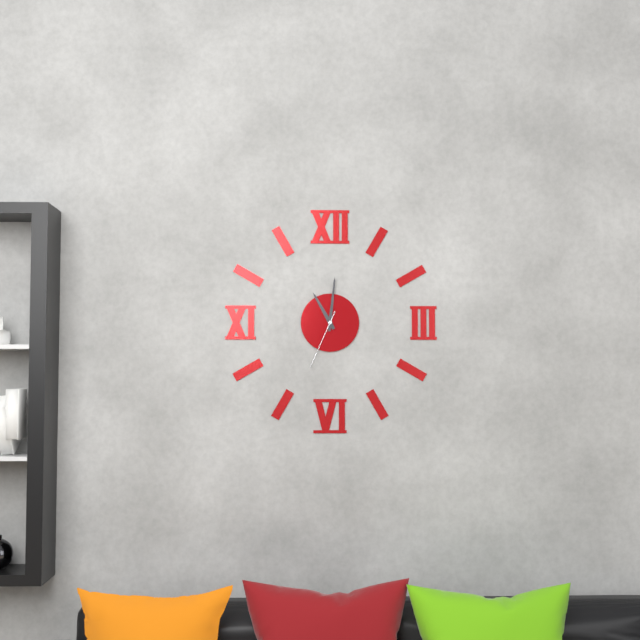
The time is 11:01:34
